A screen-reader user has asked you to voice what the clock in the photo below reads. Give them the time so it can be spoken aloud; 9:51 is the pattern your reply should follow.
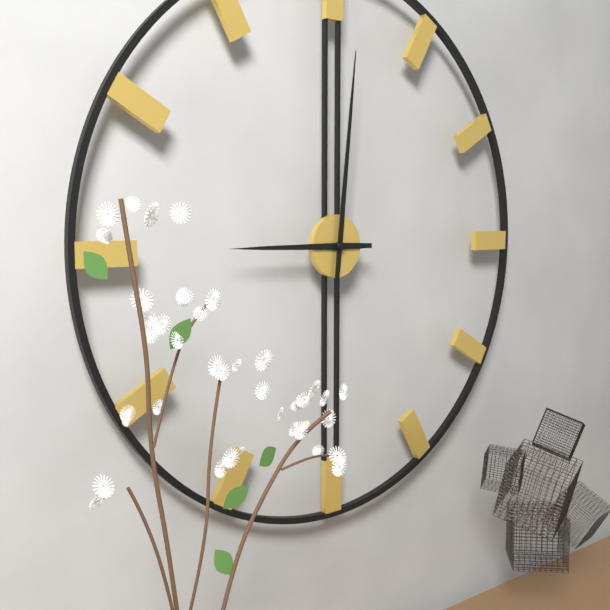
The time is 9:01
